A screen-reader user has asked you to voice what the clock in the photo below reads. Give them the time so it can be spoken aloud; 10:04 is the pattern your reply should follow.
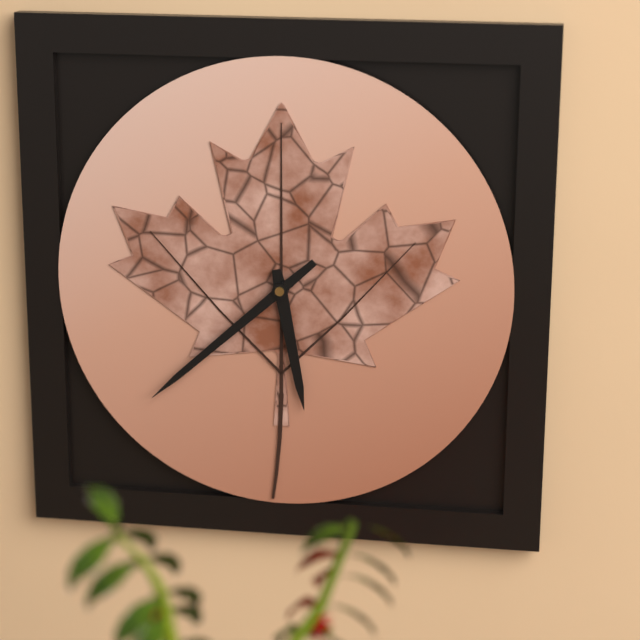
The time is 5:38
